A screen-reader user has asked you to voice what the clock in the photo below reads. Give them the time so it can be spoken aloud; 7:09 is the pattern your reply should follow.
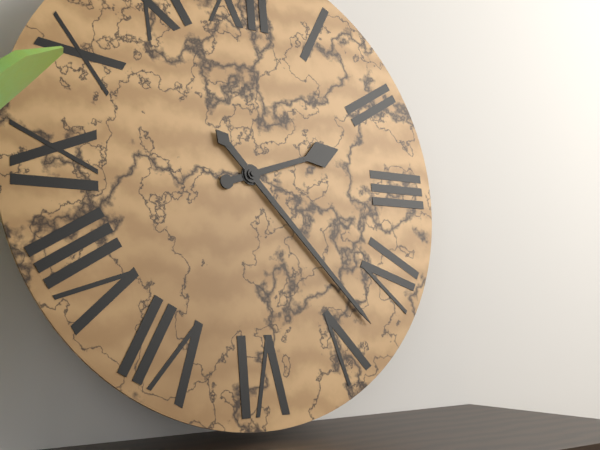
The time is 2:23
